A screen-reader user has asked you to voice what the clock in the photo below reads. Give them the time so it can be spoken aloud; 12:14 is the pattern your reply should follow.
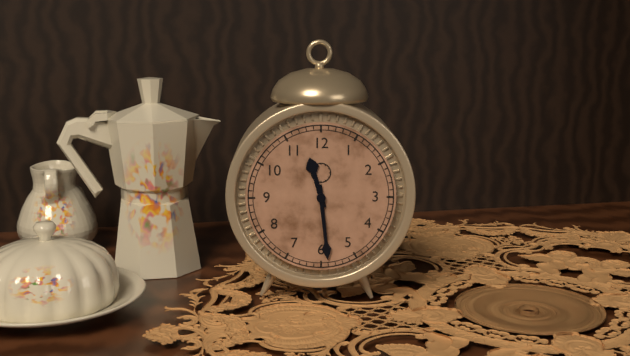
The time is 11:29
